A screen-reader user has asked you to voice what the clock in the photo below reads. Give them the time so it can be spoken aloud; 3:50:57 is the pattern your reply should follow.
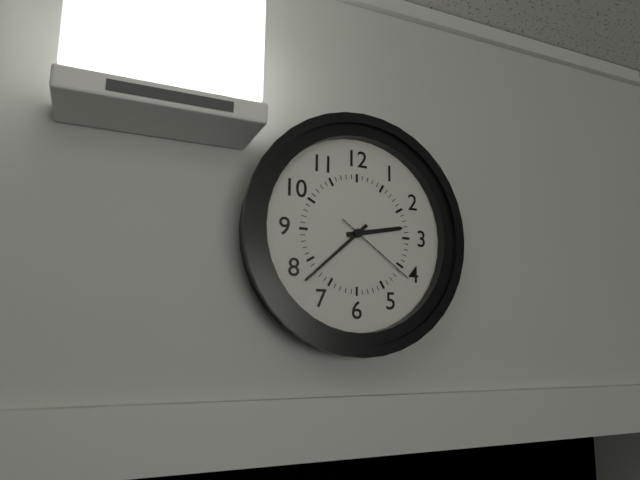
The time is 2:38:21
